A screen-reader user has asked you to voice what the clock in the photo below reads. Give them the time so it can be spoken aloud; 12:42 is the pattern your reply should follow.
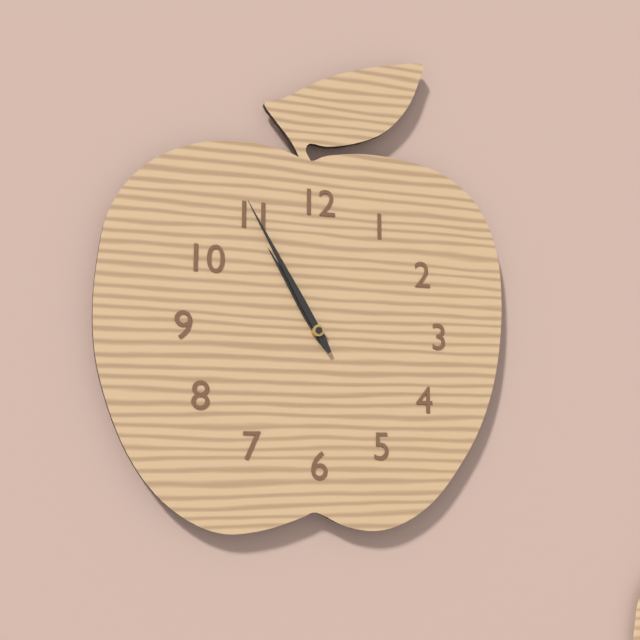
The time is 10:55
